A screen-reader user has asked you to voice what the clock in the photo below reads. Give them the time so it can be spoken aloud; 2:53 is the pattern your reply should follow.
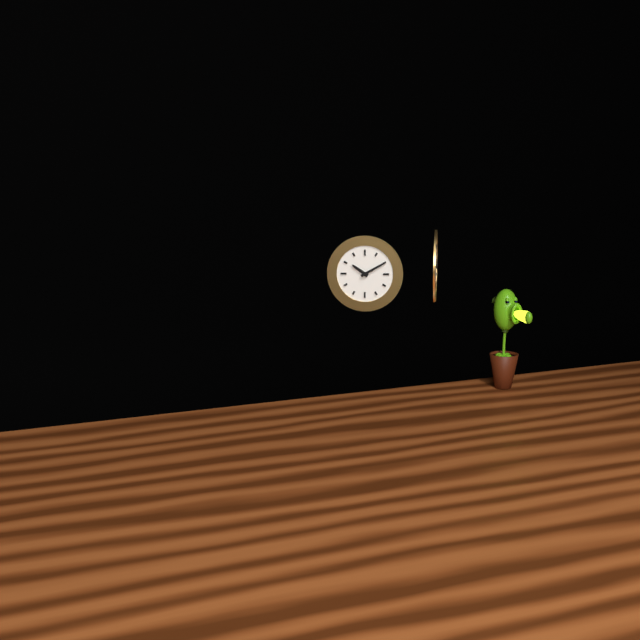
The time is 10:10
